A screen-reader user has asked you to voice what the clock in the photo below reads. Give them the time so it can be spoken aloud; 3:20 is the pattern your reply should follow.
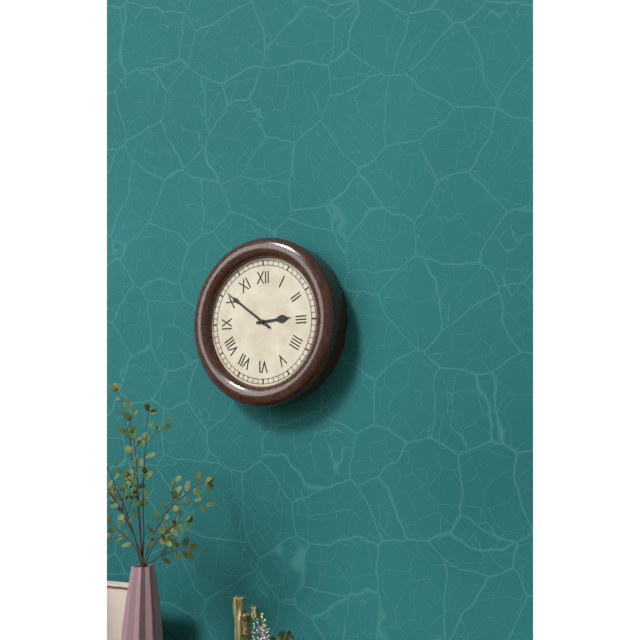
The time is 2:51
